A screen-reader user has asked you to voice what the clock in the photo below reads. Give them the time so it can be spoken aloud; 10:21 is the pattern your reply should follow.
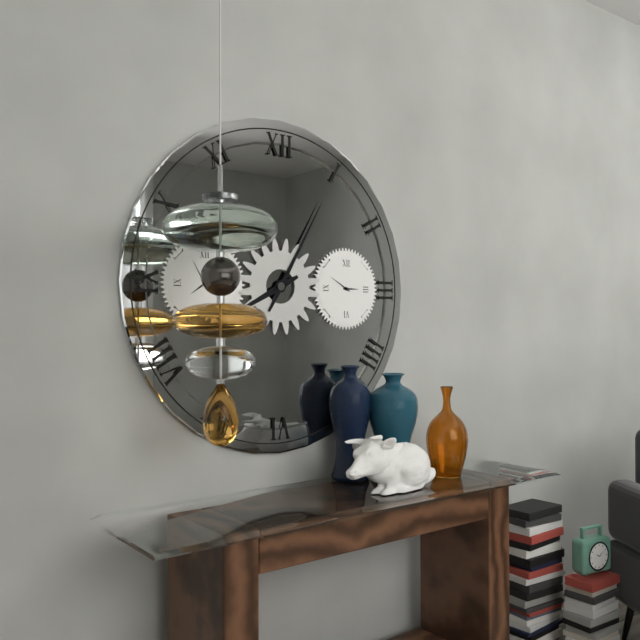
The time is 8:05
